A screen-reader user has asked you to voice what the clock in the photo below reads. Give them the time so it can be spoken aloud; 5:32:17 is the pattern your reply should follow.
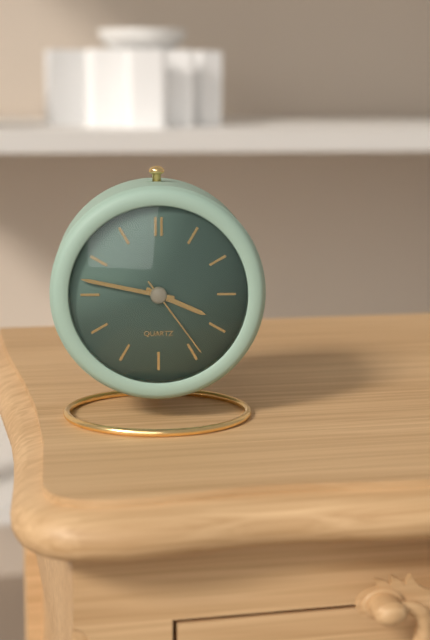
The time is 3:47:24
